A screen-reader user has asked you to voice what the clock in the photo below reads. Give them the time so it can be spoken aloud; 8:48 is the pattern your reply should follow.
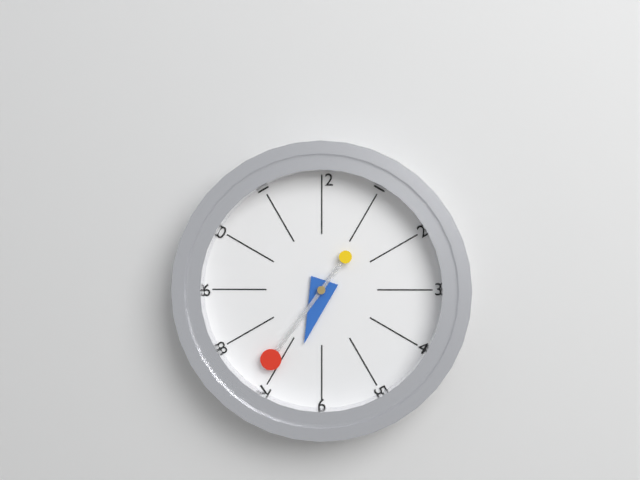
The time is 6:36
